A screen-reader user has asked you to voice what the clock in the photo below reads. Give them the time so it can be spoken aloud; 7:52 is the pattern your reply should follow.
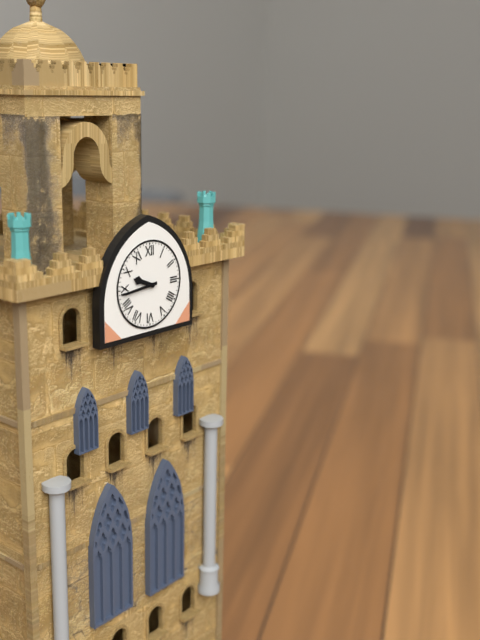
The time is 9:44
